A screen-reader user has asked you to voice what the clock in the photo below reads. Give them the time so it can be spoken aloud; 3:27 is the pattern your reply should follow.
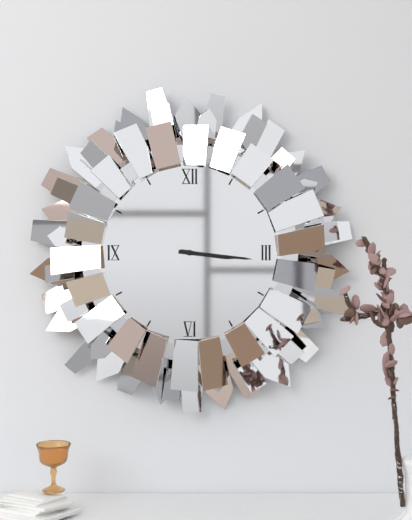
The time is 3:16
